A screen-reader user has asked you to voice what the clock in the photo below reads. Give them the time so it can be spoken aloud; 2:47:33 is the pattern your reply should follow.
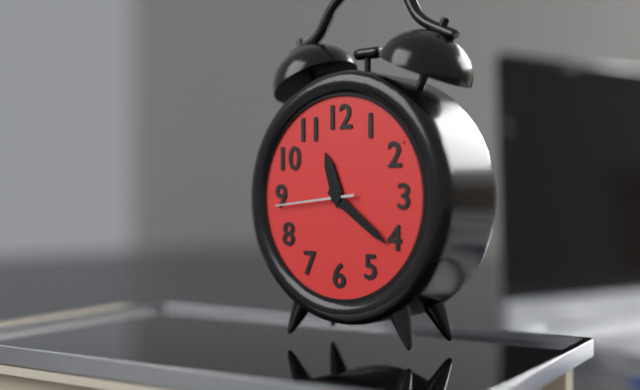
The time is 11:21:44
